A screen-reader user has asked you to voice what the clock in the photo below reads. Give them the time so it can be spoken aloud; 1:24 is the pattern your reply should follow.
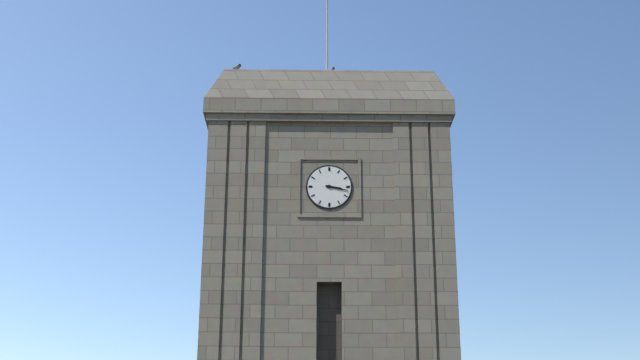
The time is 3:17
